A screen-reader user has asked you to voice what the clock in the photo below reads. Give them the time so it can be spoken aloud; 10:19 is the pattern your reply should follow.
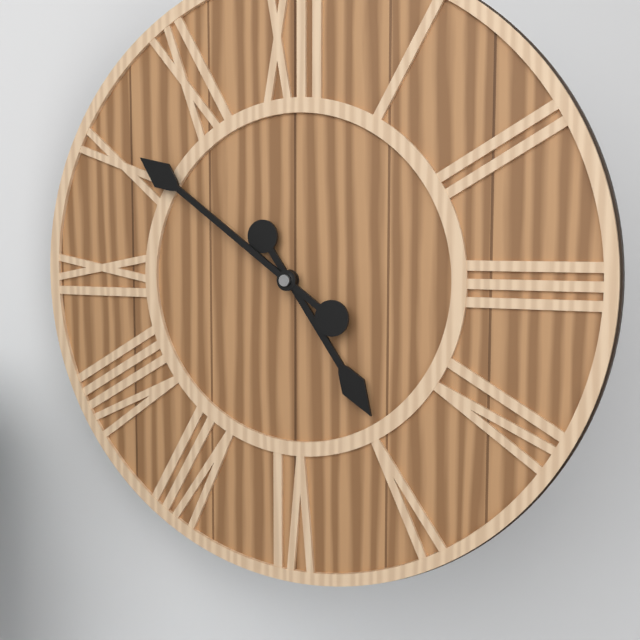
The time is 4:51
